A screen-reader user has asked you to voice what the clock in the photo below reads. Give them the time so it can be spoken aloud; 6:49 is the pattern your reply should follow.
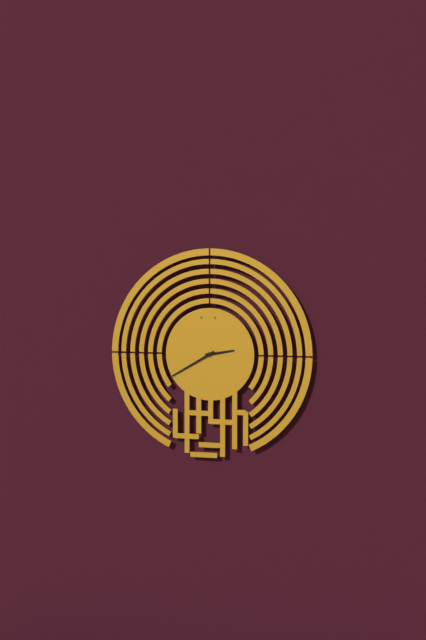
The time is 2:40
